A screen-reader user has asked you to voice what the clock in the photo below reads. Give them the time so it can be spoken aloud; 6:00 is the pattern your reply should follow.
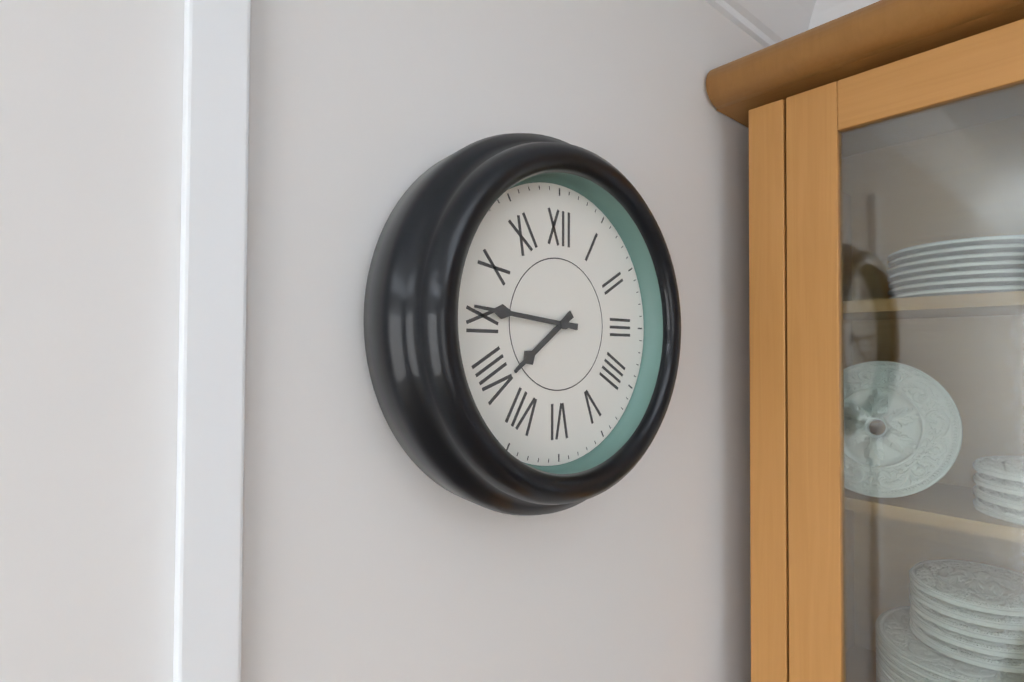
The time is 7:46
